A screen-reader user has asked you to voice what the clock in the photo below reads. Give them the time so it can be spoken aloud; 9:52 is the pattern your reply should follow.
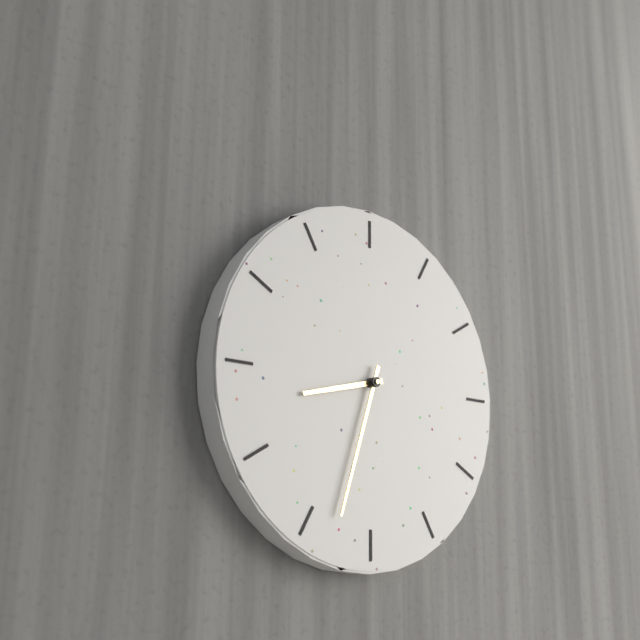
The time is 8:33
